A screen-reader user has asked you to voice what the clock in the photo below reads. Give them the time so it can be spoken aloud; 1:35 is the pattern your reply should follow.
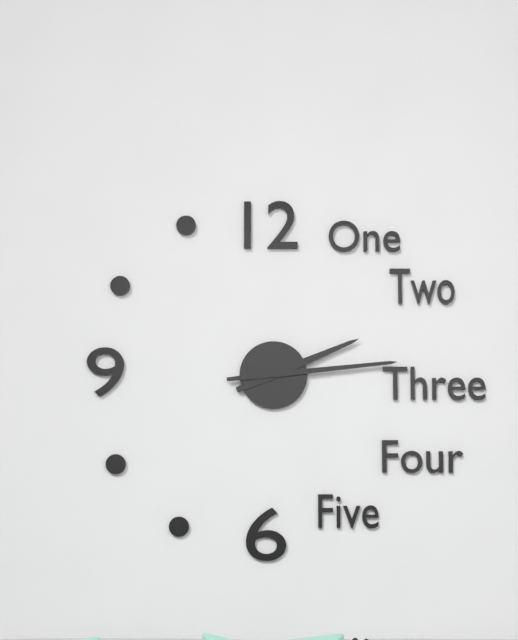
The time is 2:14
